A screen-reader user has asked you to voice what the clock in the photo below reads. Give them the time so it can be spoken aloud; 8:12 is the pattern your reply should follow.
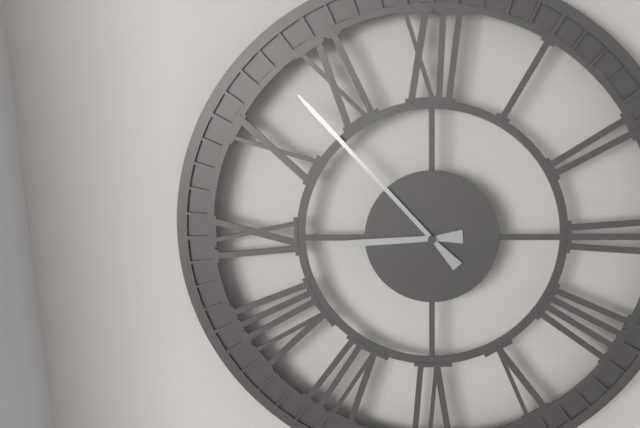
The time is 8:53
